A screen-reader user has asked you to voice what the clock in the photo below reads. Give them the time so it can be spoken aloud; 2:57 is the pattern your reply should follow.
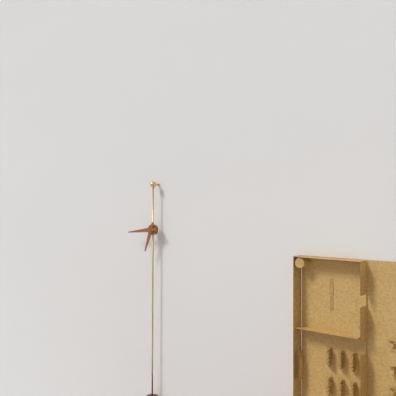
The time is 6:44
